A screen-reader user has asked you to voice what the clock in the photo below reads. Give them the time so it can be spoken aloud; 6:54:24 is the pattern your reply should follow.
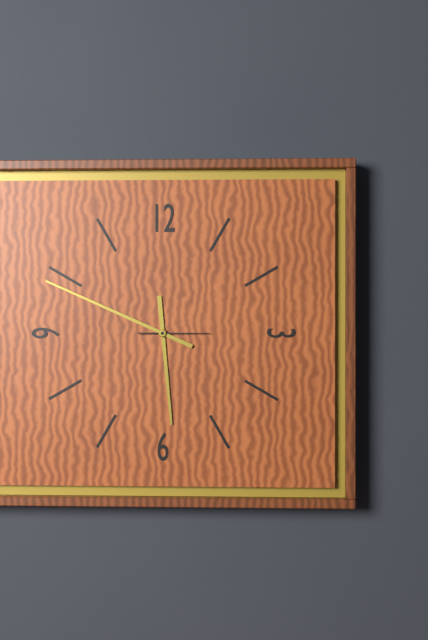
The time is 5:49:15
